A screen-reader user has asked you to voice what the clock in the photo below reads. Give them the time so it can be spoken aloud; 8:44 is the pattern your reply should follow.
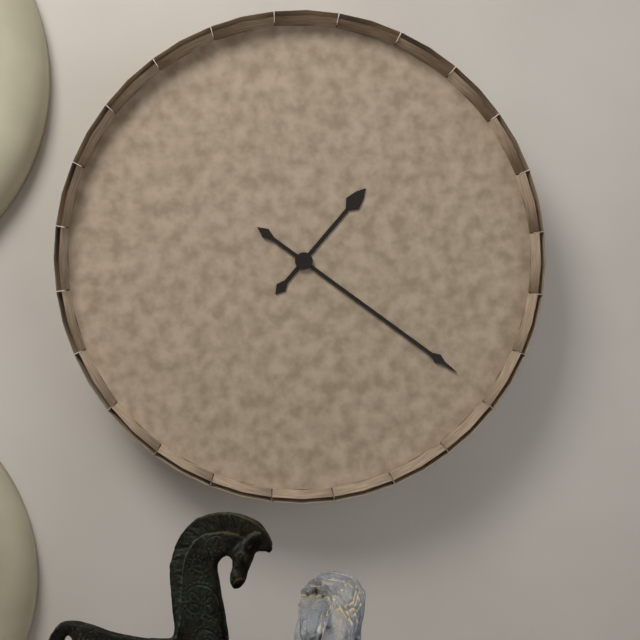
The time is 1:21
